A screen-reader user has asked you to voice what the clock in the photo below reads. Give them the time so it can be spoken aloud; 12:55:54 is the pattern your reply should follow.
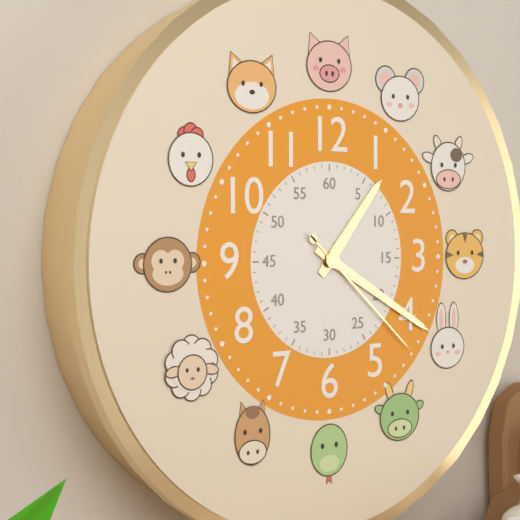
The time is 1:20:22
